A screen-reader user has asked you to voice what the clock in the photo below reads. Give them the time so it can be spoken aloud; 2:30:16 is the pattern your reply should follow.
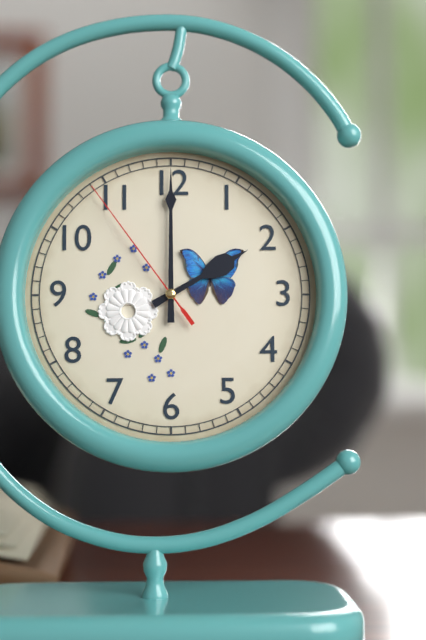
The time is 2:00:54
